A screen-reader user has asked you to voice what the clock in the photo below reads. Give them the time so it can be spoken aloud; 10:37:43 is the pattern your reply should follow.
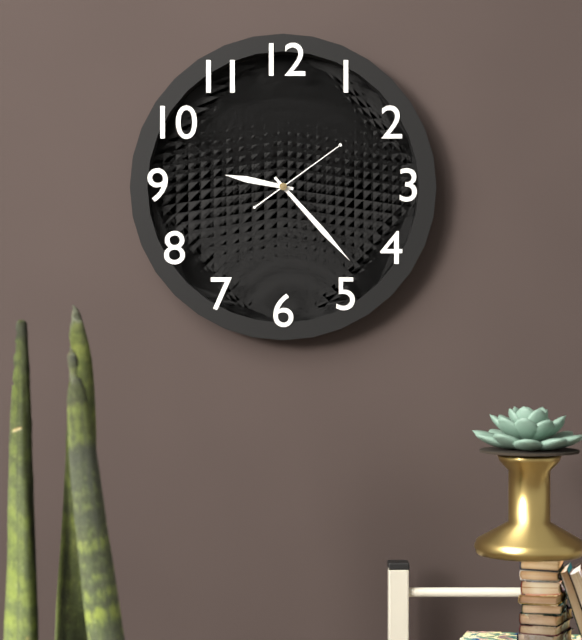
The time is 9:23:09
